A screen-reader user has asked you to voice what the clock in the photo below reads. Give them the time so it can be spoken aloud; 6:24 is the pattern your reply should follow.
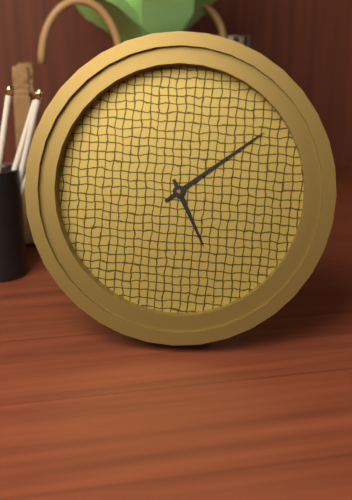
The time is 5:09
